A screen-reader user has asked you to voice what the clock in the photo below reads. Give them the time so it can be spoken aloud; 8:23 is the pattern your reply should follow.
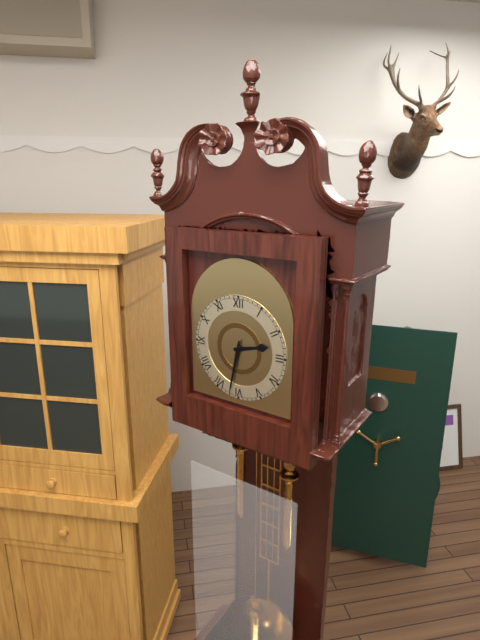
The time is 2:32
